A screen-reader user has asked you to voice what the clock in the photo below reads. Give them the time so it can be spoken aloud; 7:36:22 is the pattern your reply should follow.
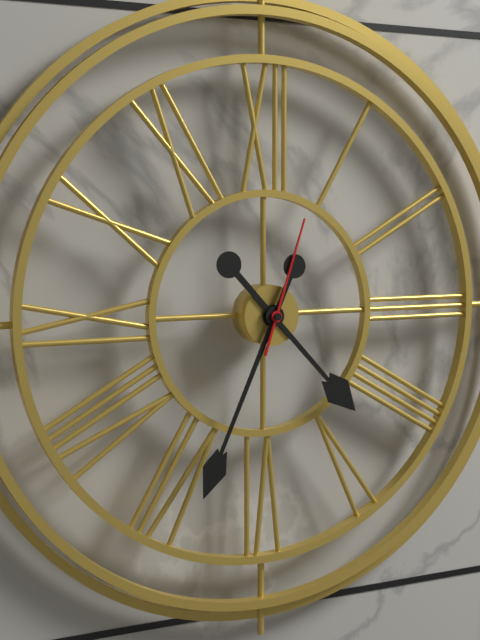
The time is 4:34:03
